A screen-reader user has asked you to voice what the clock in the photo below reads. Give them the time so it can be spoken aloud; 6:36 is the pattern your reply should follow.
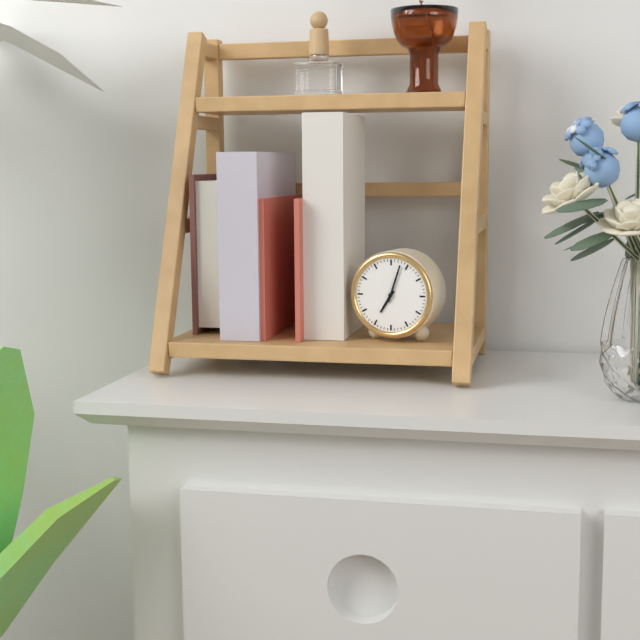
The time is 7:03
